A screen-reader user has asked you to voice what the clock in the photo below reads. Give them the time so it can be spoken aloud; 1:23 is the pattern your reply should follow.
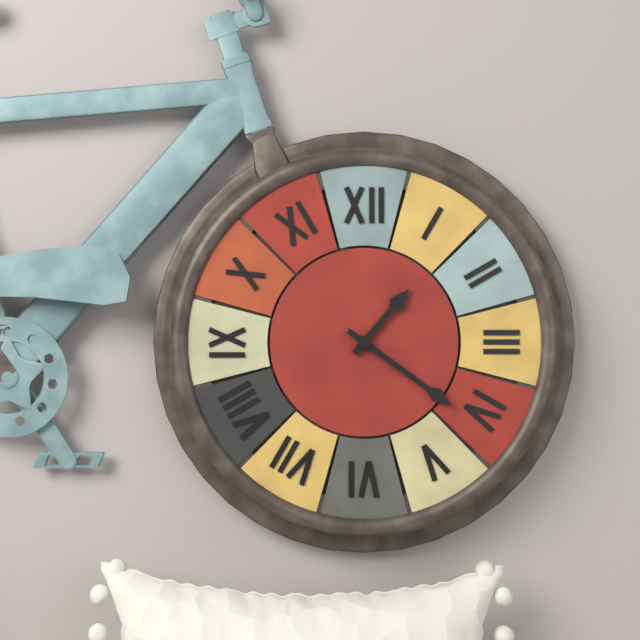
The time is 1:21
